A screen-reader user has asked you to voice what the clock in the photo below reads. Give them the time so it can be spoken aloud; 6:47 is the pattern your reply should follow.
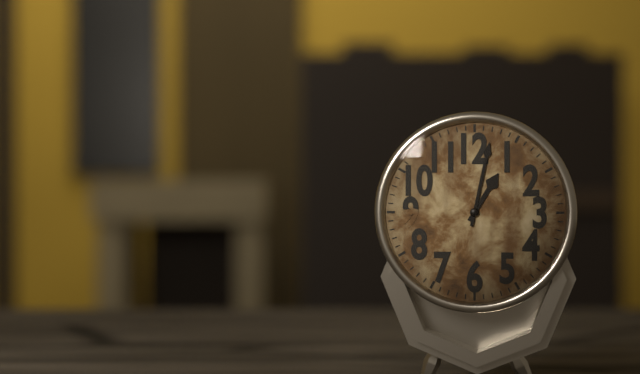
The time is 1:02
